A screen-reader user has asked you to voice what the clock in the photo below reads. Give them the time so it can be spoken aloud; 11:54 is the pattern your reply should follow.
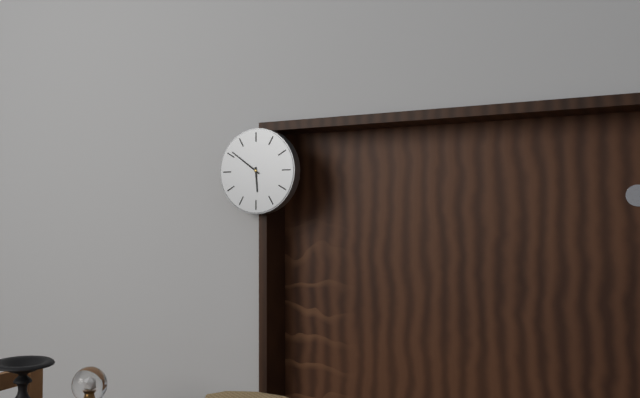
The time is 5:51
